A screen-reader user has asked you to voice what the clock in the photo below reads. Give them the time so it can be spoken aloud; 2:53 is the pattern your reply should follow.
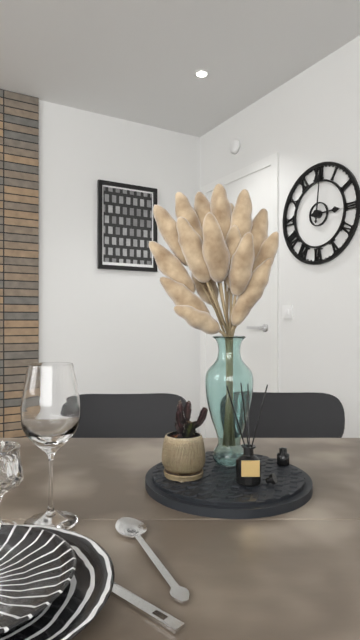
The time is 3:01
